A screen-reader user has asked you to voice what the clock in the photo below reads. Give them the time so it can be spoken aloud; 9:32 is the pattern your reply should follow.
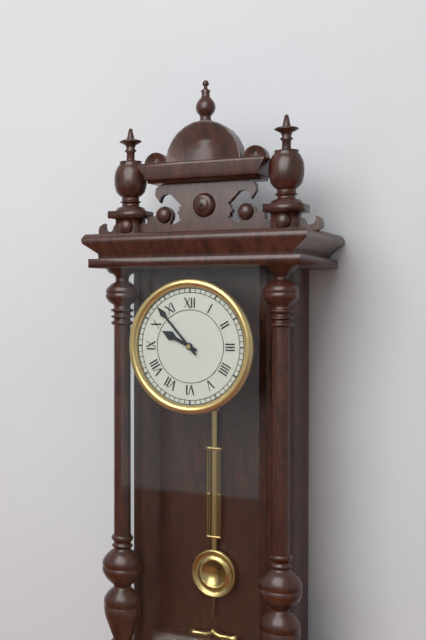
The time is 9:53
